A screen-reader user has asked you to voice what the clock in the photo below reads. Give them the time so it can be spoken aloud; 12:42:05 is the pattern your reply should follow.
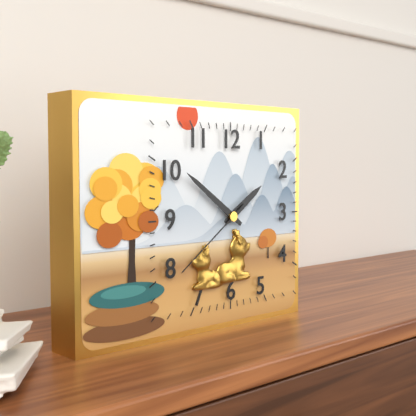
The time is 1:51:39
